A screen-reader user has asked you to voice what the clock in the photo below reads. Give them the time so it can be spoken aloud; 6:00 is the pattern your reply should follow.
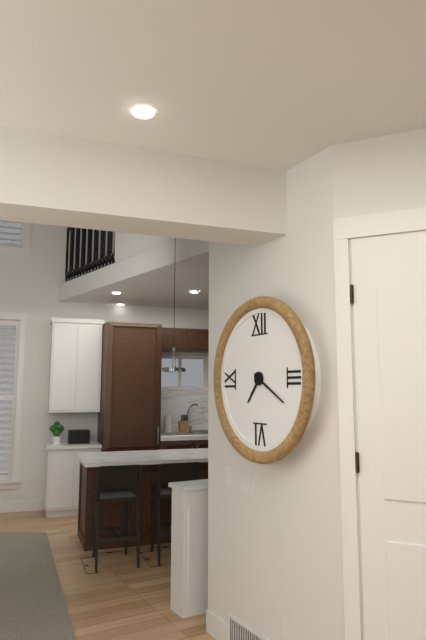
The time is 7:20
